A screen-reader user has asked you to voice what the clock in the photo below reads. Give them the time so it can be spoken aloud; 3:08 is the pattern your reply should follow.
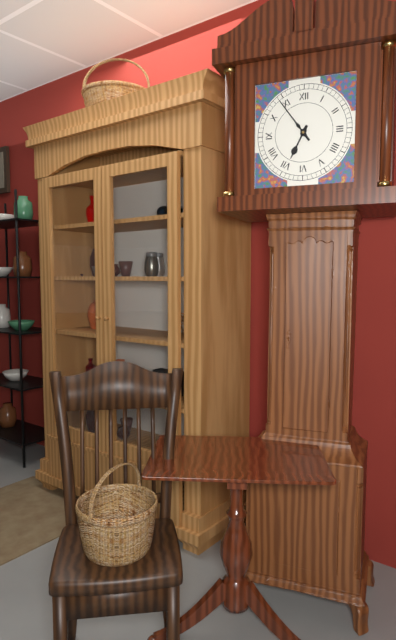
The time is 6:54
